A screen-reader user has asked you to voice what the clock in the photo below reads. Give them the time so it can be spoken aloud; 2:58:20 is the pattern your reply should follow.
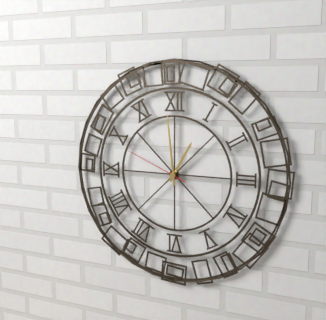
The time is 12:59:49
